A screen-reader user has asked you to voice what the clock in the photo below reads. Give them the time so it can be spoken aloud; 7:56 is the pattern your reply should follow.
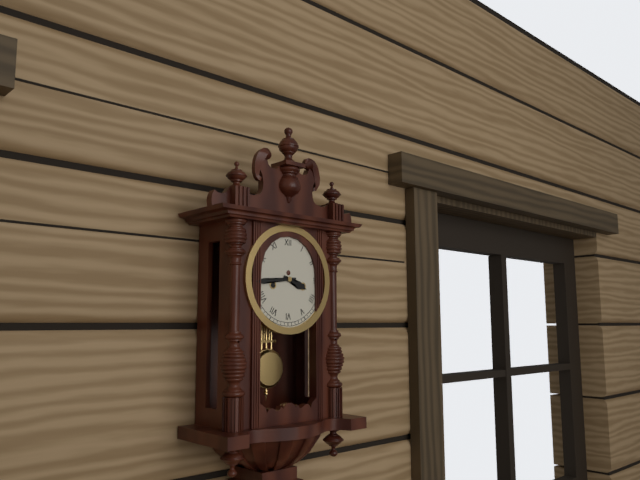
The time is 3:44
